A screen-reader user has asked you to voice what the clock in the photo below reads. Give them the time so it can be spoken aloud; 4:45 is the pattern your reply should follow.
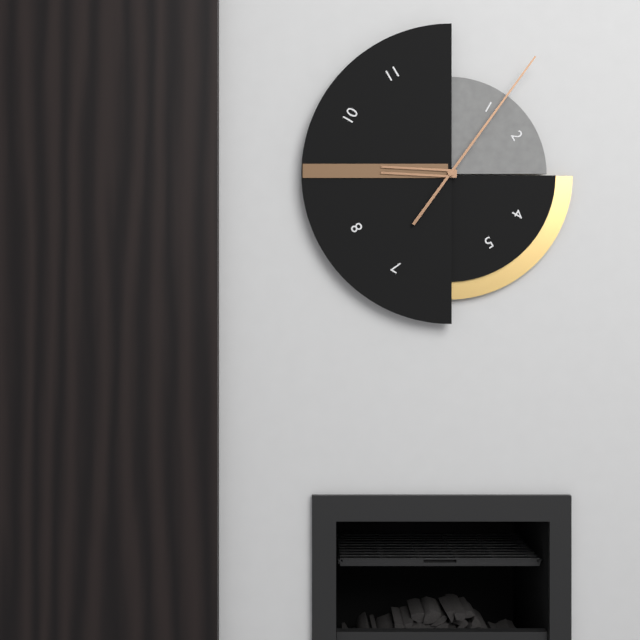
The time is 9:06
